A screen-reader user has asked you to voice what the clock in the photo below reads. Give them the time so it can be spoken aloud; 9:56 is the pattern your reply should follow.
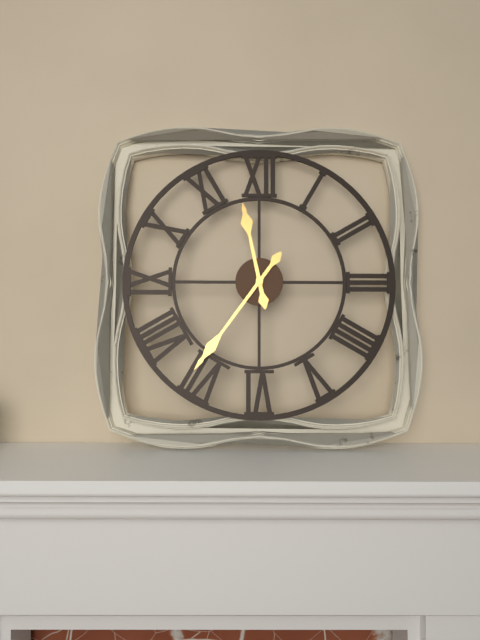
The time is 11:36
